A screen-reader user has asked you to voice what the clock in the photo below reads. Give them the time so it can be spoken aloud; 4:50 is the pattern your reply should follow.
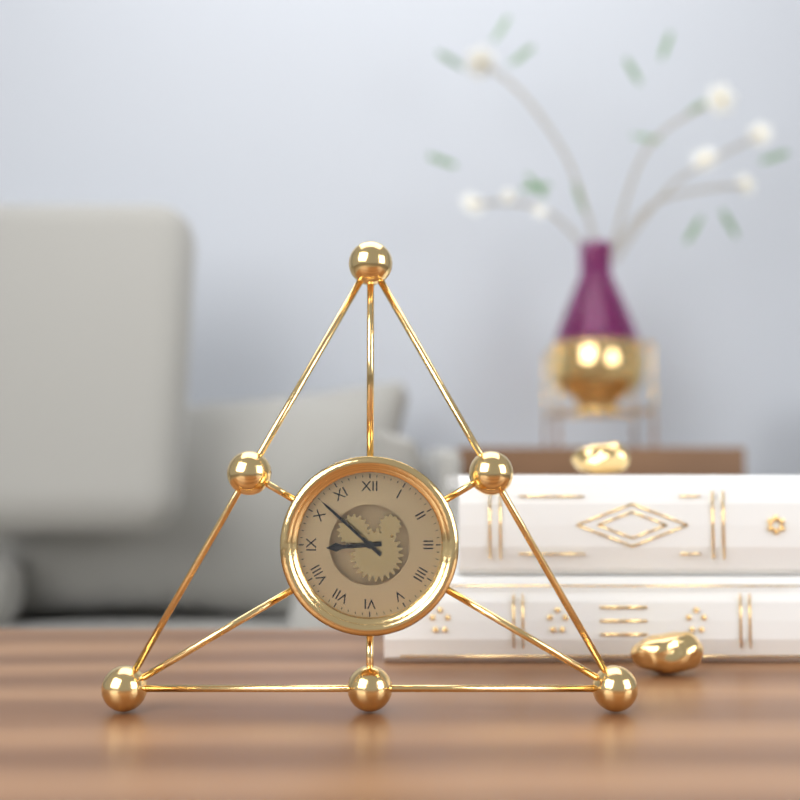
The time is 8:52
